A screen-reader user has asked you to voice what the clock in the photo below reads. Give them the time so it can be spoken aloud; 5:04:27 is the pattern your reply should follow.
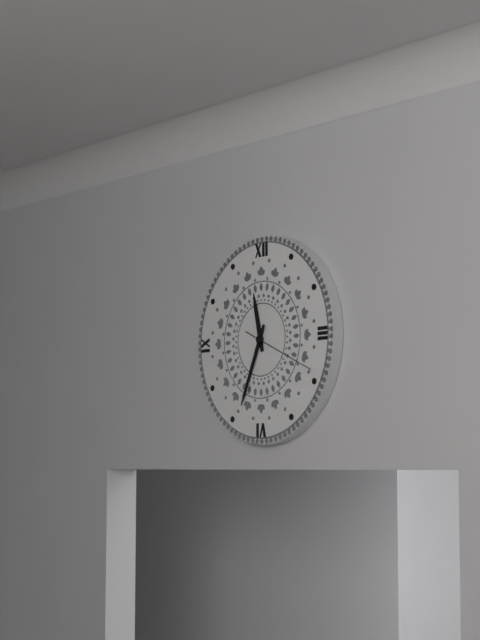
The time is 11:34:19
